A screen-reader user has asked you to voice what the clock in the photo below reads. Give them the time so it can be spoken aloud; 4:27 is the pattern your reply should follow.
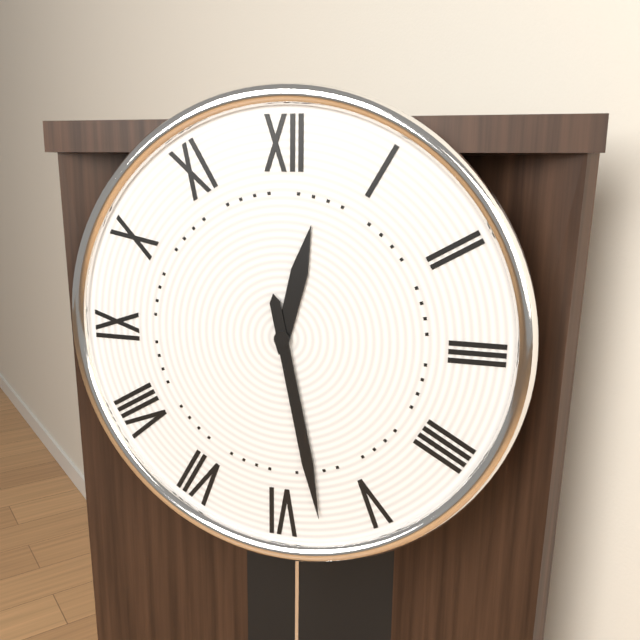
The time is 12:28
